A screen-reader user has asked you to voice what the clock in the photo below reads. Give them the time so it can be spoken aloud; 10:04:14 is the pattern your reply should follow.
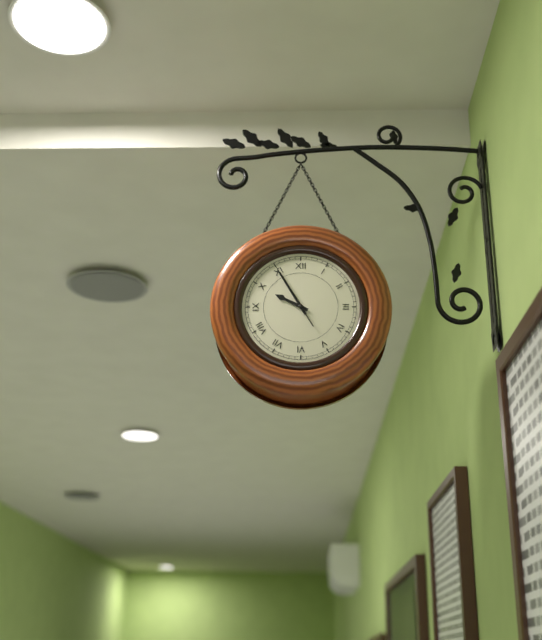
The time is 9:55:55
